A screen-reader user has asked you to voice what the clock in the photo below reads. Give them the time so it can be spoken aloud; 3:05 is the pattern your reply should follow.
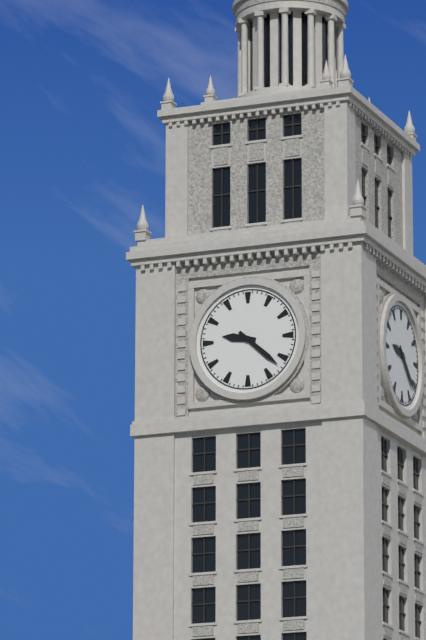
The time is 9:22
